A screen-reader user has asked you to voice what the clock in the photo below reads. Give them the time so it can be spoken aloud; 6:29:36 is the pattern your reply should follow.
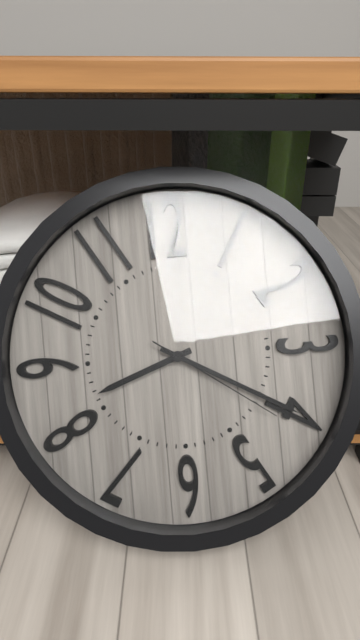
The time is 8:20:21
